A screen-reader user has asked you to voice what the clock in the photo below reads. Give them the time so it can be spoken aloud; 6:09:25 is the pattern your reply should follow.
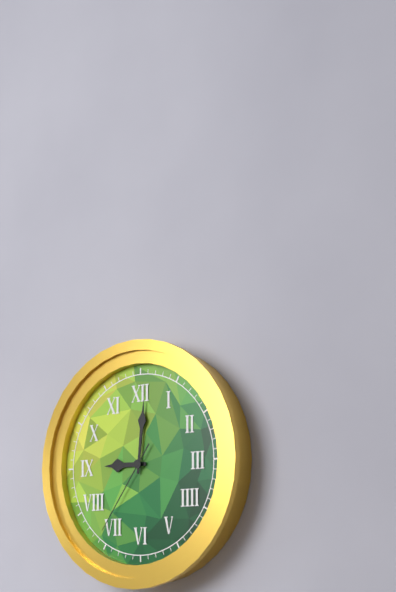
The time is 9:01:36
